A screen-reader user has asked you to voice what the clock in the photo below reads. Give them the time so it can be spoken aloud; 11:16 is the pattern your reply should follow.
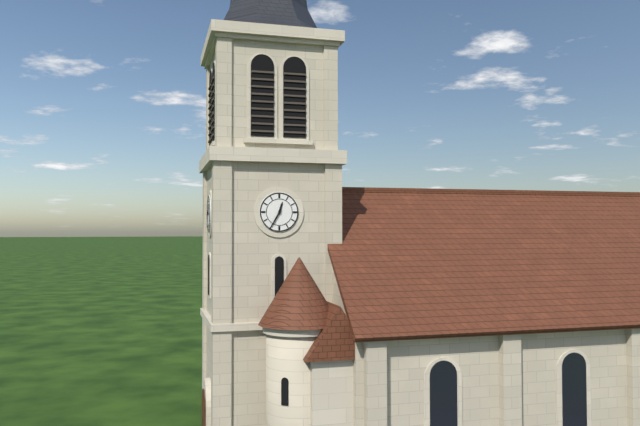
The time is 12:35
